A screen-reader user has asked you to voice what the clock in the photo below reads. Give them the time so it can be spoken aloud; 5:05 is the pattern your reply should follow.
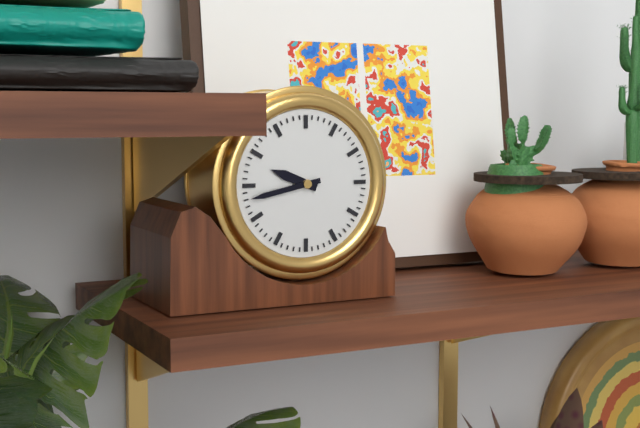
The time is 9:43
